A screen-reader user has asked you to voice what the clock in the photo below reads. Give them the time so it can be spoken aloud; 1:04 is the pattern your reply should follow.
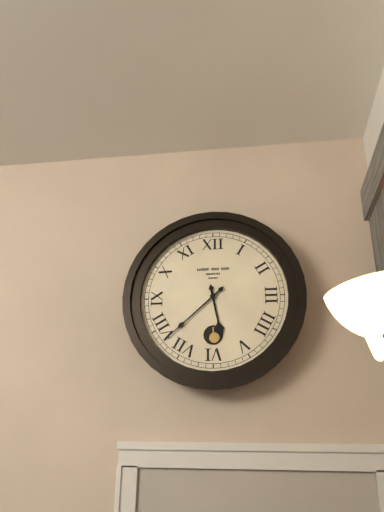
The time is 5:38
